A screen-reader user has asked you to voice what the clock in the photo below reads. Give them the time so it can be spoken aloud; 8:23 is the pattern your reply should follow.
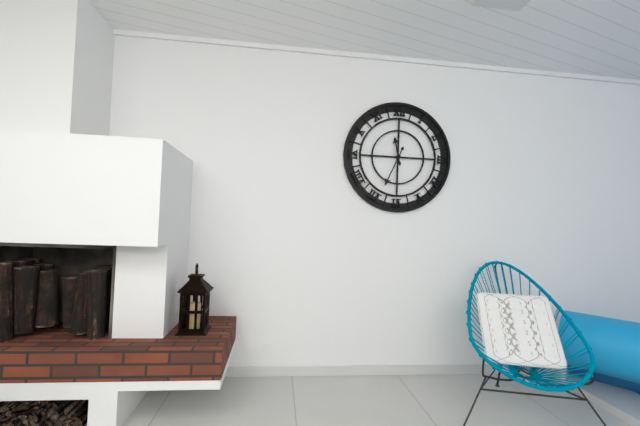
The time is 11:34
